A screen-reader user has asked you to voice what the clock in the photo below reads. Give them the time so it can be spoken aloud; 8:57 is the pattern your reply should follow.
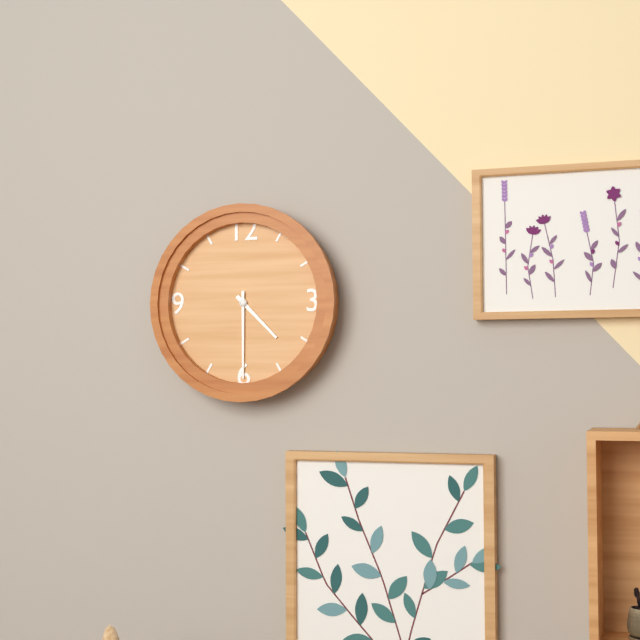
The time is 4:30
